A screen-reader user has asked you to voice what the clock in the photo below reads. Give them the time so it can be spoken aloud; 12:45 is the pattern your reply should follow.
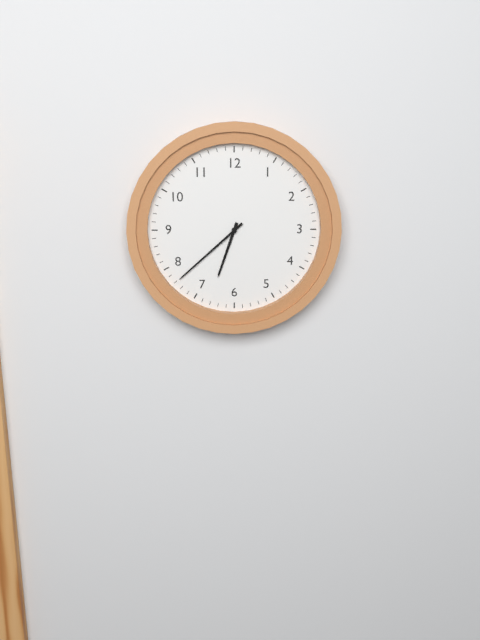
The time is 6:38
